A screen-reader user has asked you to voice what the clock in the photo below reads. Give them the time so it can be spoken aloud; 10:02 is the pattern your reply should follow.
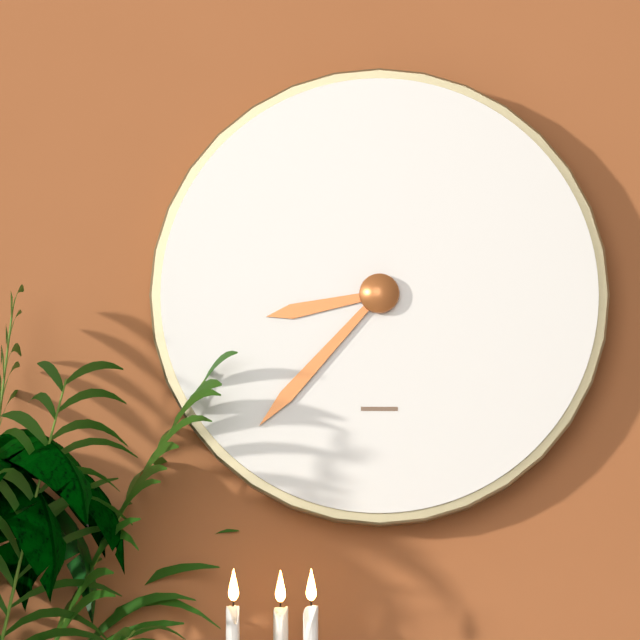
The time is 8:37
